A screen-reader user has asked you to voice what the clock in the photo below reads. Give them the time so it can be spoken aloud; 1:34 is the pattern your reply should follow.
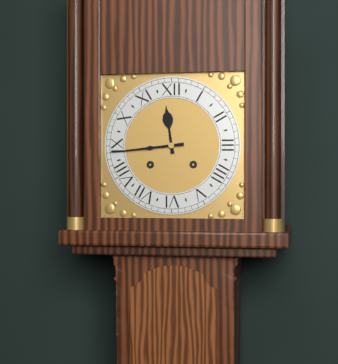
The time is 11:44
